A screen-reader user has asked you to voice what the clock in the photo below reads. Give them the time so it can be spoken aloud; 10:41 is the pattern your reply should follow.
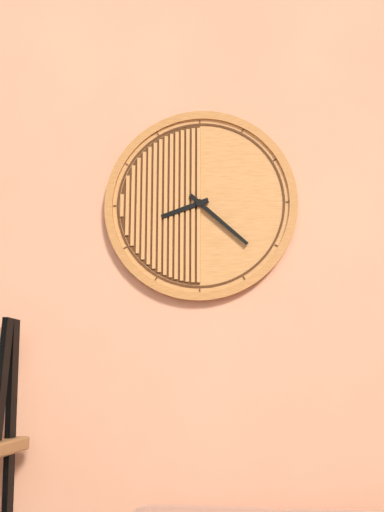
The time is 8:22
